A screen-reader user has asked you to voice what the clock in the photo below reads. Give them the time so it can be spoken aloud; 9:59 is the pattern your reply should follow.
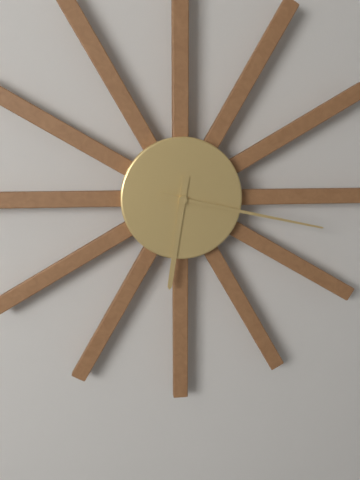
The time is 6:17
